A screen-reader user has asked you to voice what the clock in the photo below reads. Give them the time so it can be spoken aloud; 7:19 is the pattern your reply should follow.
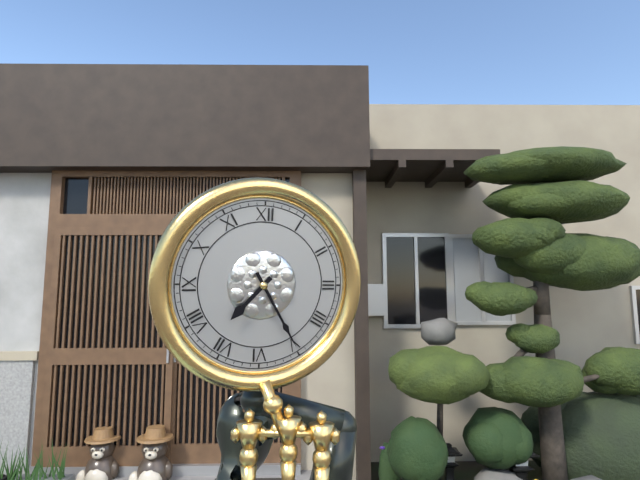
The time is 7:25
